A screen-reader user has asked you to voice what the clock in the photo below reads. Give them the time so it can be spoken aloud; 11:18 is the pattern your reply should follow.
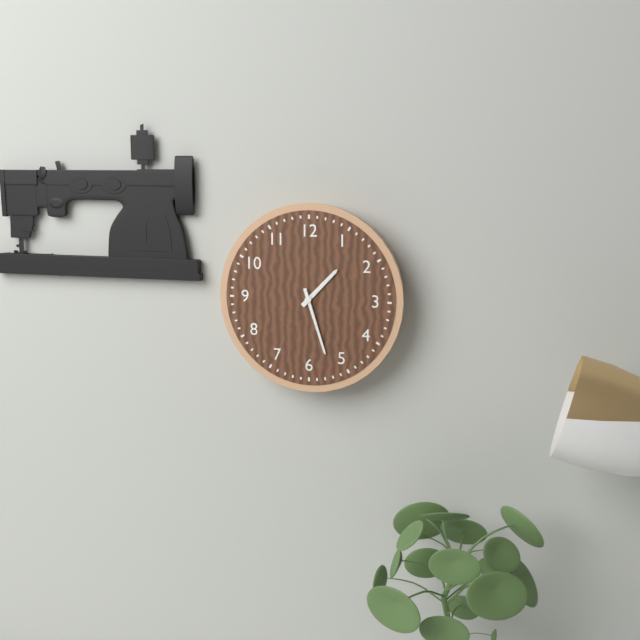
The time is 1:27
